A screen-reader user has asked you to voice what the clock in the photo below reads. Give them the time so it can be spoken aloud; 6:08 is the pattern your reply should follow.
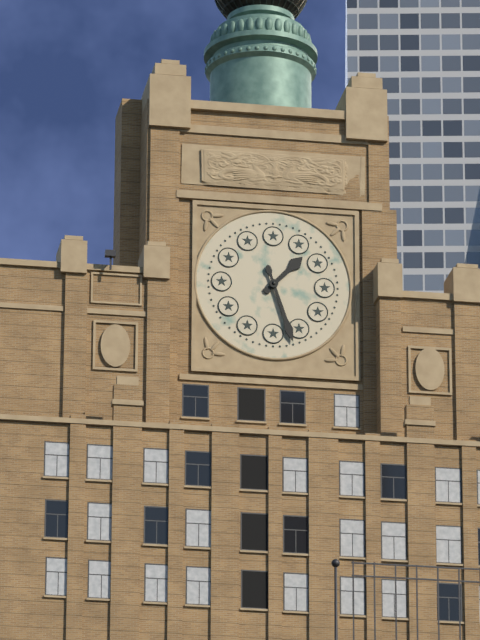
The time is 1:27
